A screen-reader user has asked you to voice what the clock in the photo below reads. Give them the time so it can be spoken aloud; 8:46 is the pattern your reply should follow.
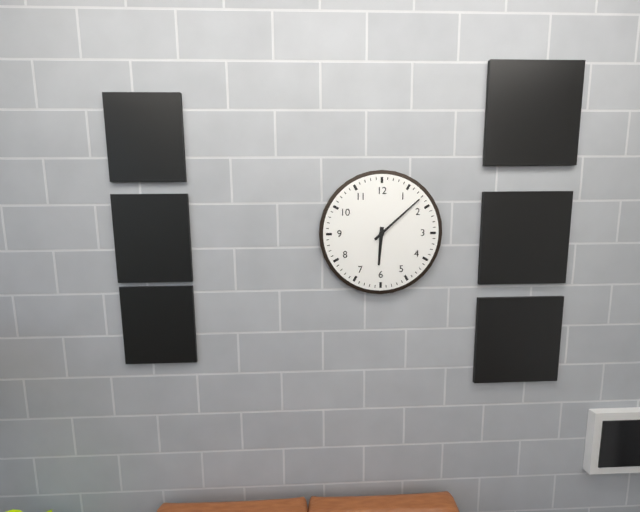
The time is 6:08
